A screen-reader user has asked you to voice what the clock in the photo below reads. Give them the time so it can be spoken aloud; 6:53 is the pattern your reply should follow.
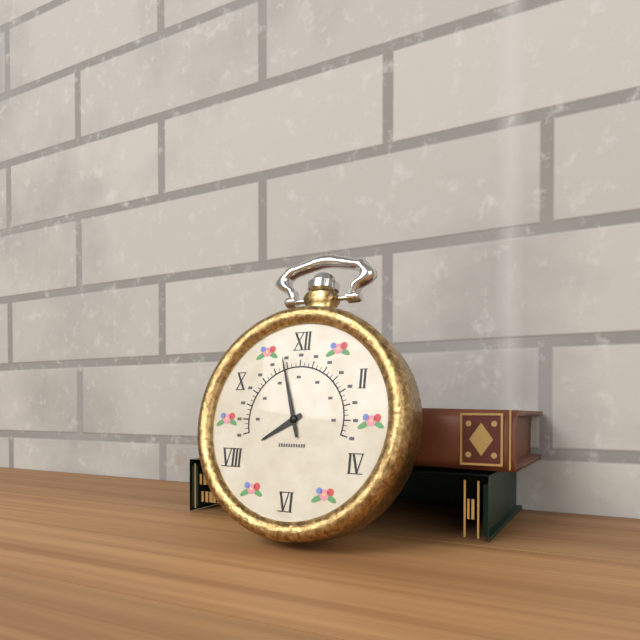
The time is 7:57
